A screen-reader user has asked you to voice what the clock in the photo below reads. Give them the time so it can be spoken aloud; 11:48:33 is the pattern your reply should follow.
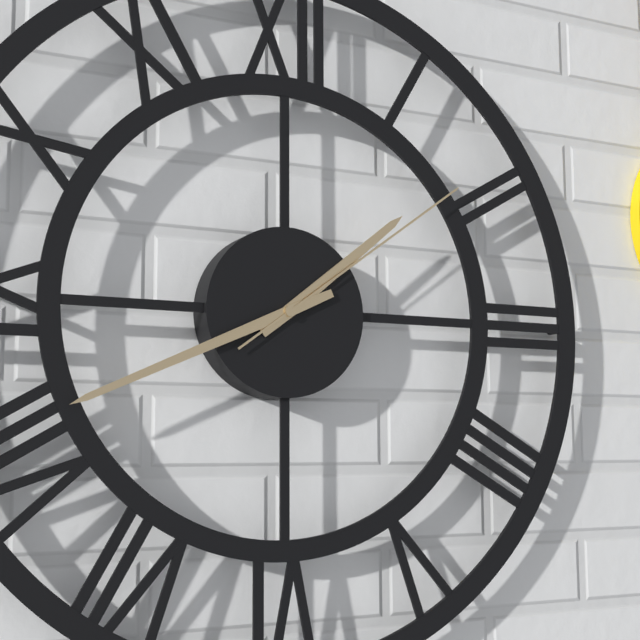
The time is 1:41:09
